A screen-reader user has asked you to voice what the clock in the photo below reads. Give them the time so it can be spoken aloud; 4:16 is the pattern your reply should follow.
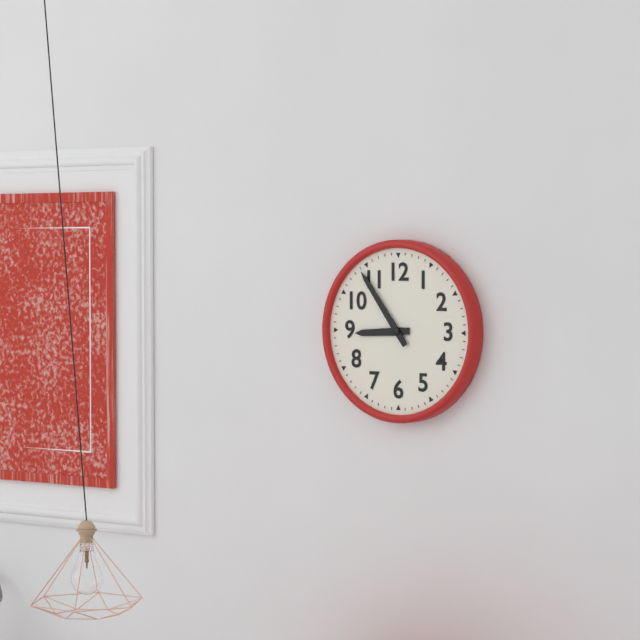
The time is 8:54
